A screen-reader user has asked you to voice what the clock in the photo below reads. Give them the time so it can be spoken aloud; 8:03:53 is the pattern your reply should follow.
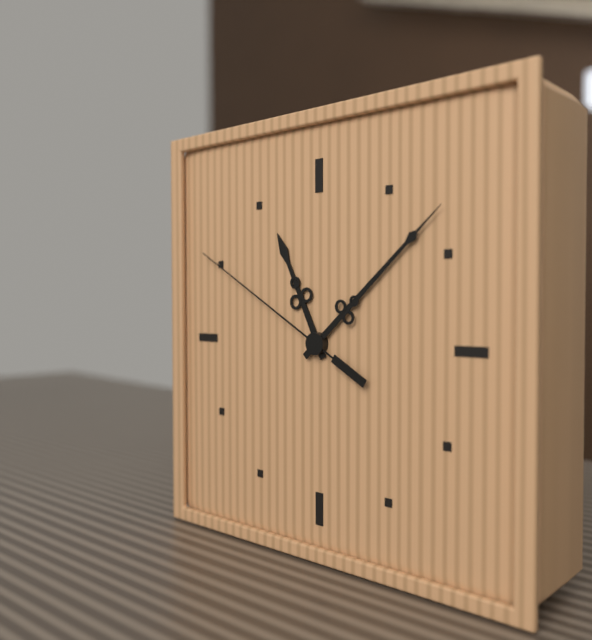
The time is 11:08:50
